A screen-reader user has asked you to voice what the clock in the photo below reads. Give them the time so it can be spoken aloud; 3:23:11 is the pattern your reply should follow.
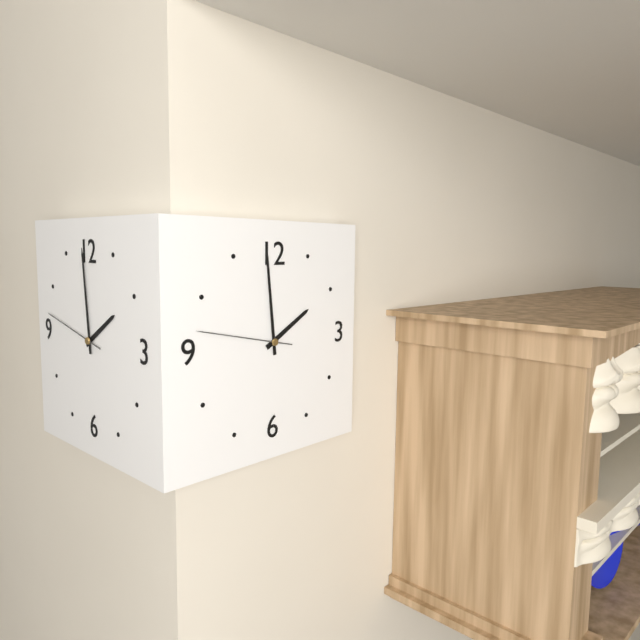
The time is 1:59:47
